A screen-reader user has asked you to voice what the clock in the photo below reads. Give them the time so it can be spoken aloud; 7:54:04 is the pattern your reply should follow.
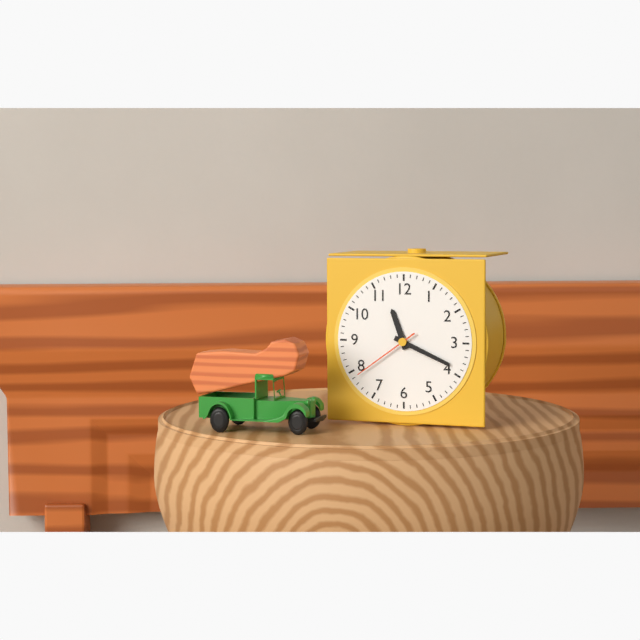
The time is 11:19:39
